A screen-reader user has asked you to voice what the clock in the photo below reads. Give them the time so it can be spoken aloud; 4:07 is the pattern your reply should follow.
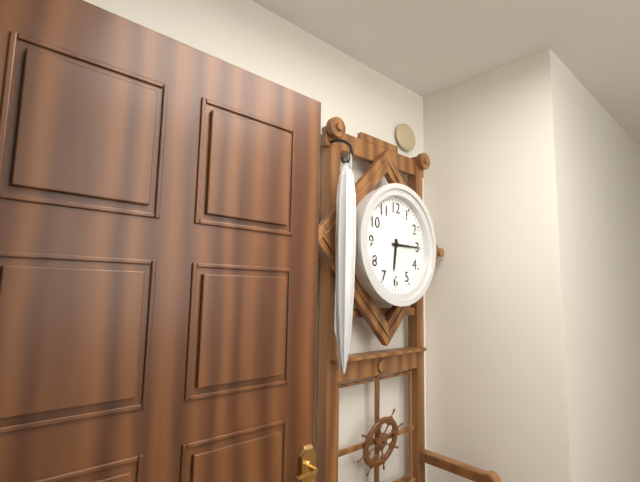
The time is 6:15
